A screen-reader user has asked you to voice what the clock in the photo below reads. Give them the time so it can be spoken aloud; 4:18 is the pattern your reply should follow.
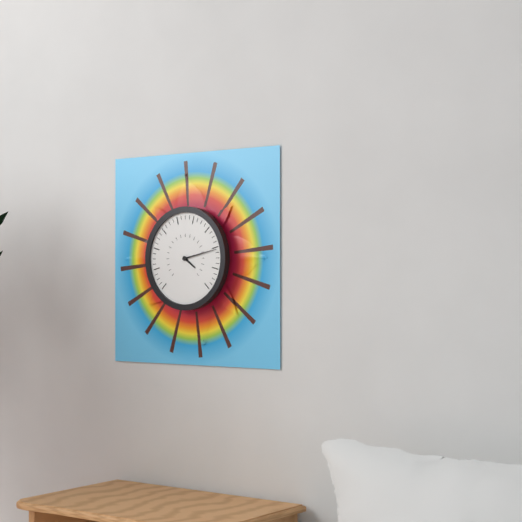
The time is 4:13
